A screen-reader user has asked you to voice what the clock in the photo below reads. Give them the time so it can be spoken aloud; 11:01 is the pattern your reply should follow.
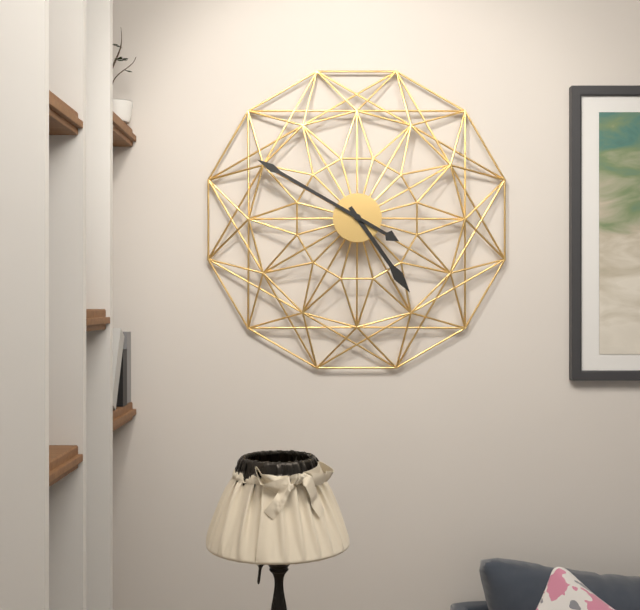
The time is 4:50
